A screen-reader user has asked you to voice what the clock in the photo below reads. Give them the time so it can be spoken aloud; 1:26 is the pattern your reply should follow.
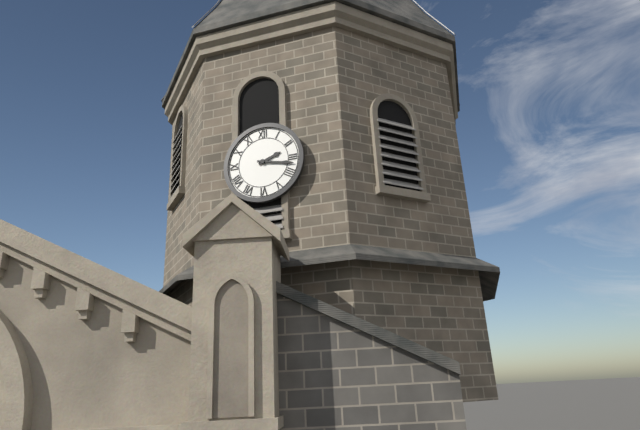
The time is 2:17
